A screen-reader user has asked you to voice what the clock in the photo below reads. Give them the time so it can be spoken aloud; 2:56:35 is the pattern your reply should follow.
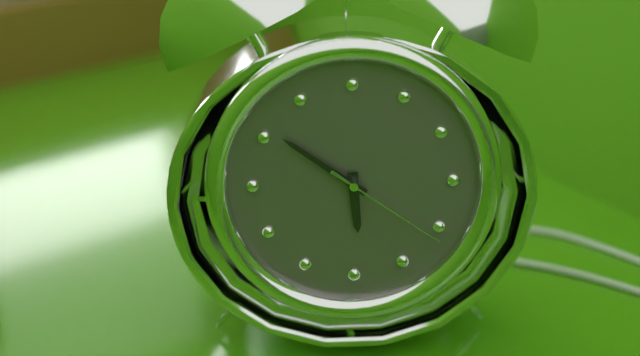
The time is 5:51:21
